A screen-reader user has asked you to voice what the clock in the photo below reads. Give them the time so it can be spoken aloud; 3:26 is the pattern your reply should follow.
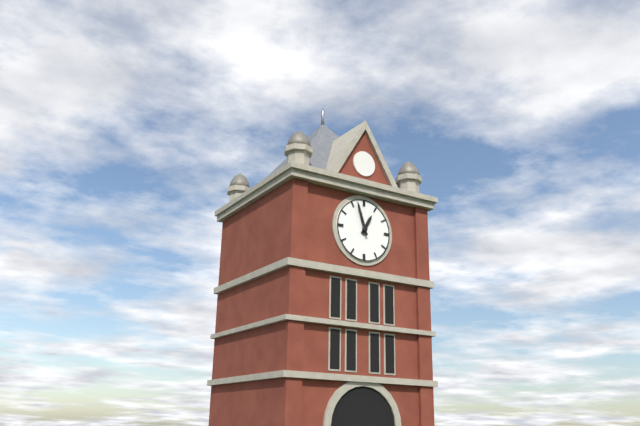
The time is 12:57
